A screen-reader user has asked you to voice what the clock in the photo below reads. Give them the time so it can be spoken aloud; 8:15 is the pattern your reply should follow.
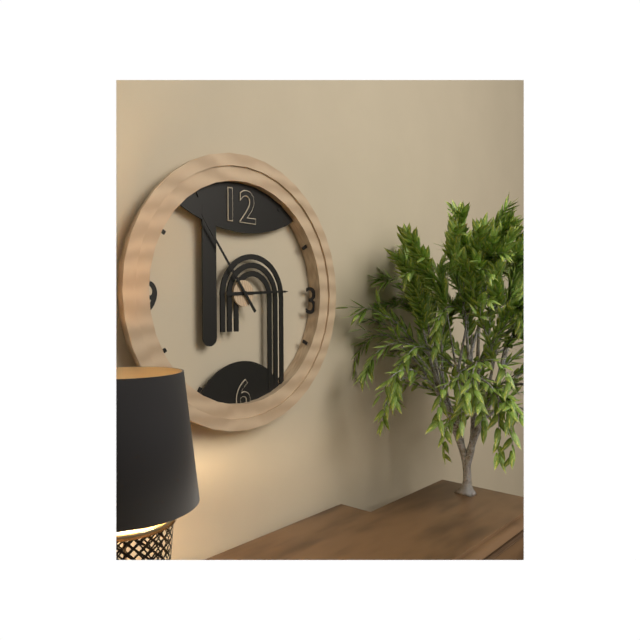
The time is 2:54
